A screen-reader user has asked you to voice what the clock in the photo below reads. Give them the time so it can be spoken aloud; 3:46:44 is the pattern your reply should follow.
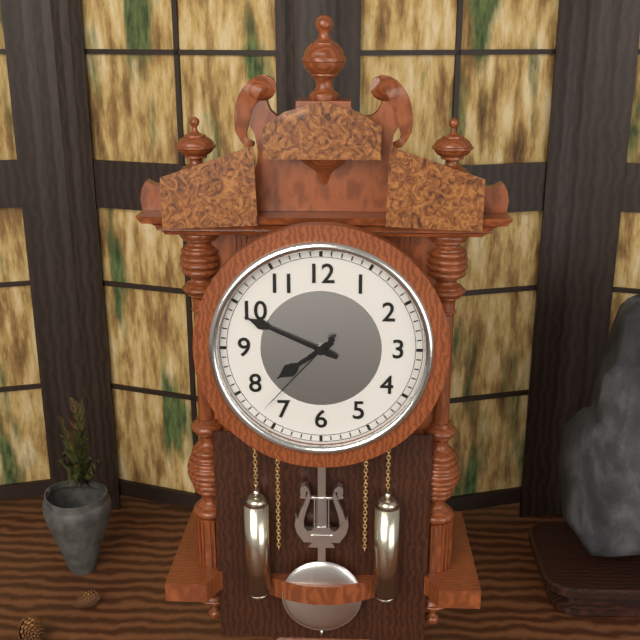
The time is 7:49:37
